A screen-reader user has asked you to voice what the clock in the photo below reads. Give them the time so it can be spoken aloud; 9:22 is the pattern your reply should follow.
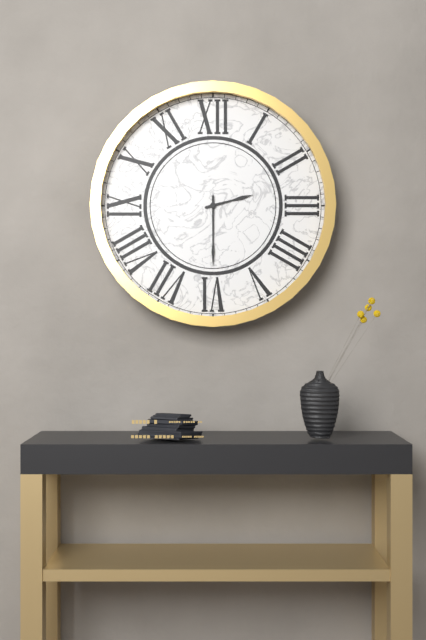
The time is 2:30
